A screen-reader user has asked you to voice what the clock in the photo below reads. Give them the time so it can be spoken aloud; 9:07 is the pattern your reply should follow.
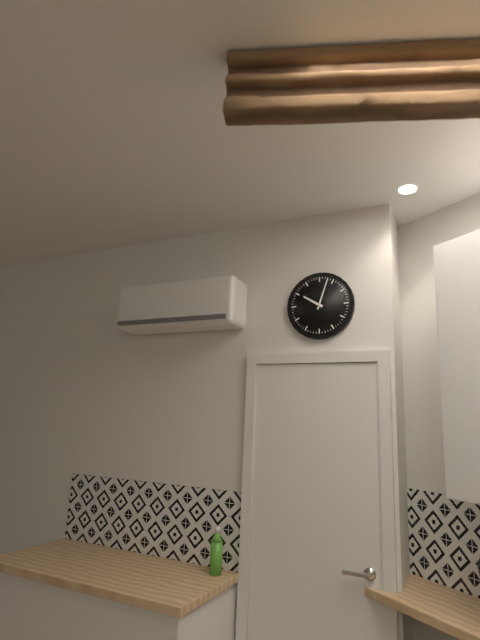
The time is 10:03
